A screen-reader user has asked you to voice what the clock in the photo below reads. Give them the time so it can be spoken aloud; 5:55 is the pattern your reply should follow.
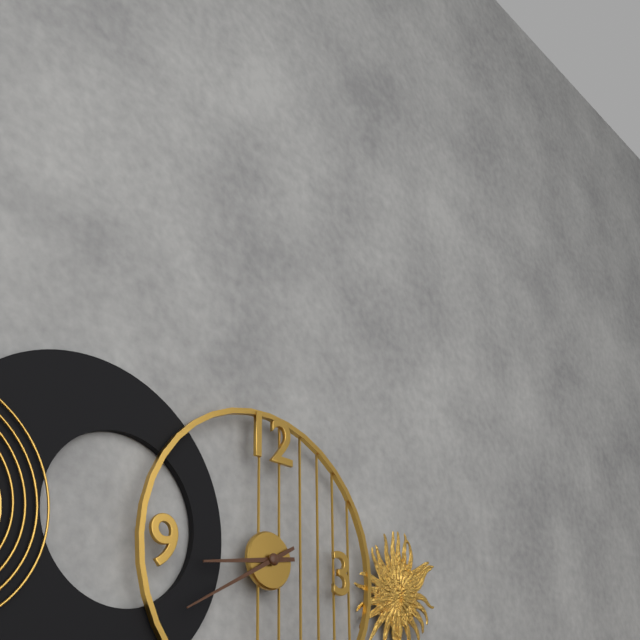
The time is 8:40
